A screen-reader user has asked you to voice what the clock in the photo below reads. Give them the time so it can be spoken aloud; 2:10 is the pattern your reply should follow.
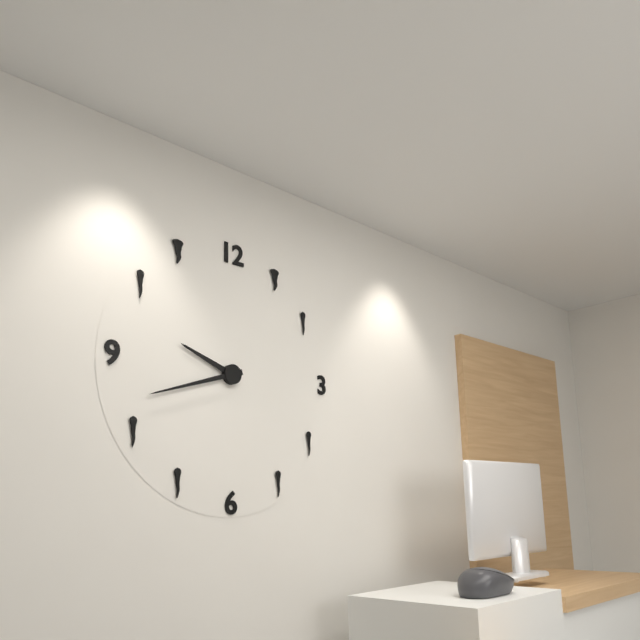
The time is 9:42
